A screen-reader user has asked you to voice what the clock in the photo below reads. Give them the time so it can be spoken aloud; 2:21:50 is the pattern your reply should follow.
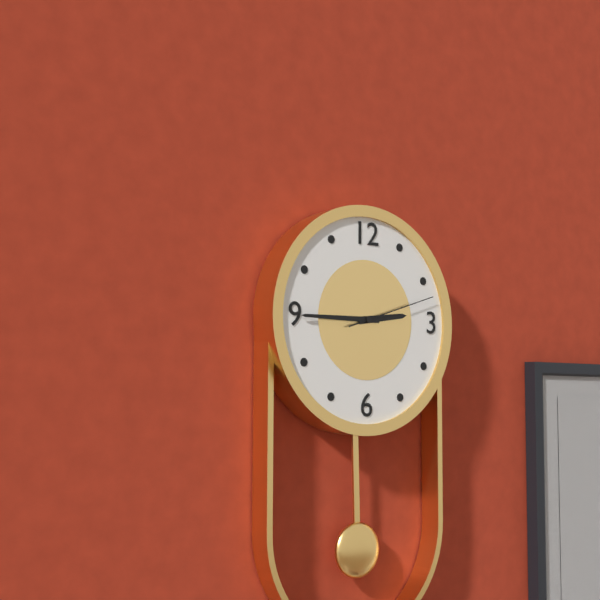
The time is 2:45:12
